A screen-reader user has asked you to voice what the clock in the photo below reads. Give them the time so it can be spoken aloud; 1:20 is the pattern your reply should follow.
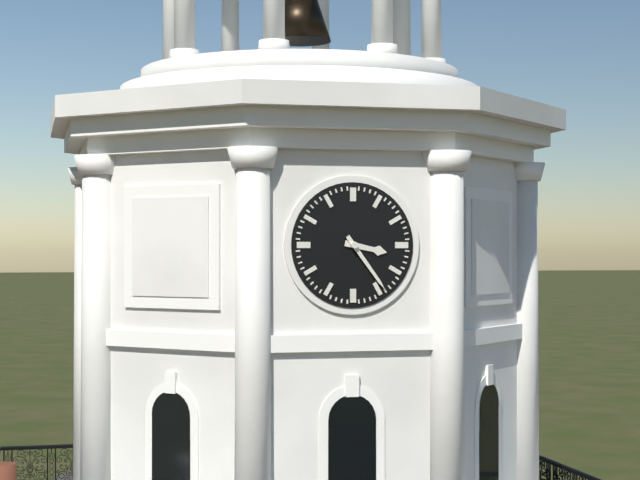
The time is 3:24
